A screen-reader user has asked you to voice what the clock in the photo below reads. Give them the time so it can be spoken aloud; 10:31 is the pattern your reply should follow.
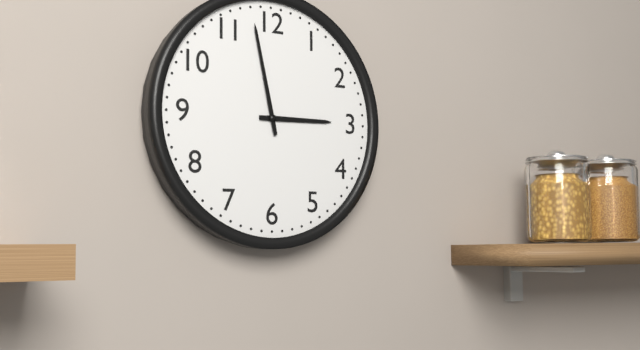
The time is 2:58
